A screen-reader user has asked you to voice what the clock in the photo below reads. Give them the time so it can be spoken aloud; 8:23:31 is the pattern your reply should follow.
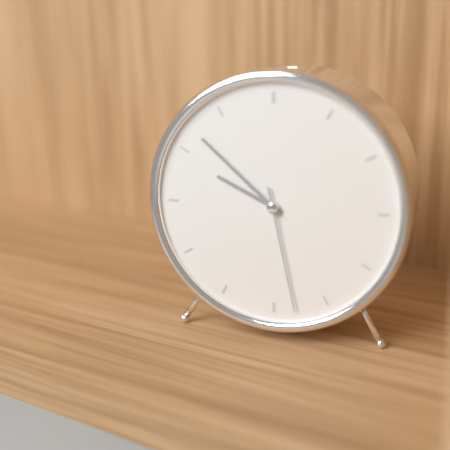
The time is 9:52:28
